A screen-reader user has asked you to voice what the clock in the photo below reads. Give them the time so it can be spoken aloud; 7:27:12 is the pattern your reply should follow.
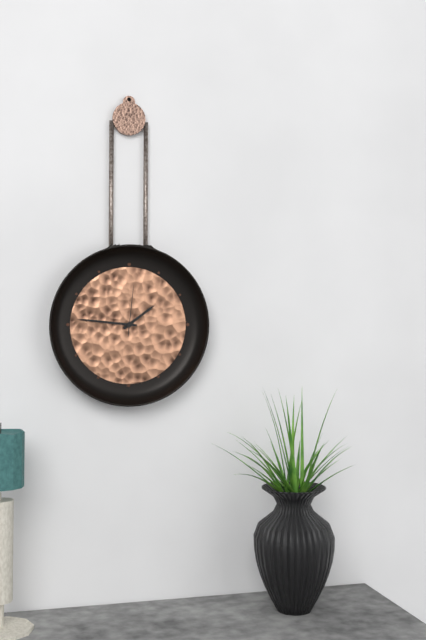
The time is 1:46:01
